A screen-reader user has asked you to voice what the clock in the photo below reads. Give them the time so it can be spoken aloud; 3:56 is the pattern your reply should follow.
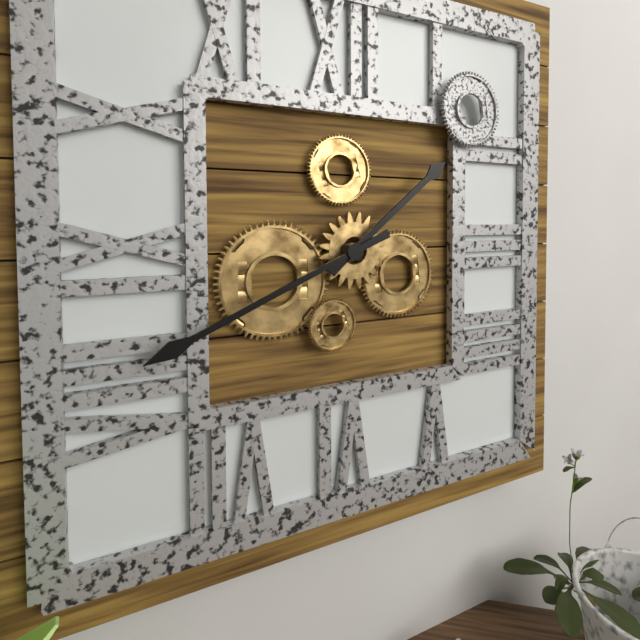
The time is 1:41
